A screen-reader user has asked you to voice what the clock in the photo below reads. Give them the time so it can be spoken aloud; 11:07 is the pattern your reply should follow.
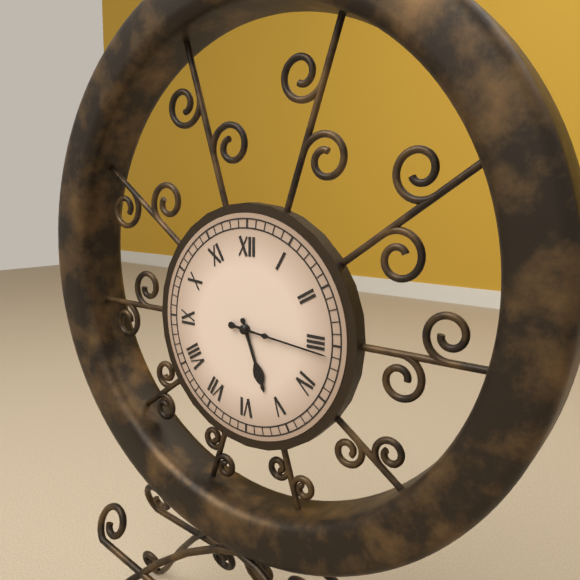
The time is 5:16
